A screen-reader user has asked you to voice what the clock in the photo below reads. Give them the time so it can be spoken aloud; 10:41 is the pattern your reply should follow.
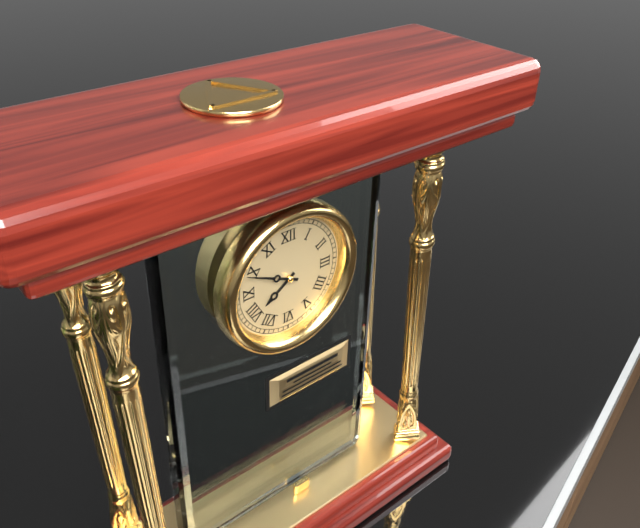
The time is 7:49
